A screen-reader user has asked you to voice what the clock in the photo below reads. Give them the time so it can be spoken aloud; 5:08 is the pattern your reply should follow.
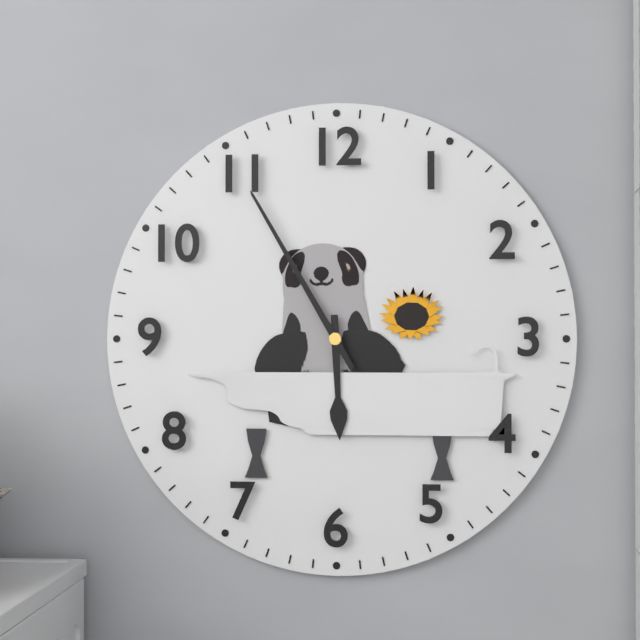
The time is 5:55
